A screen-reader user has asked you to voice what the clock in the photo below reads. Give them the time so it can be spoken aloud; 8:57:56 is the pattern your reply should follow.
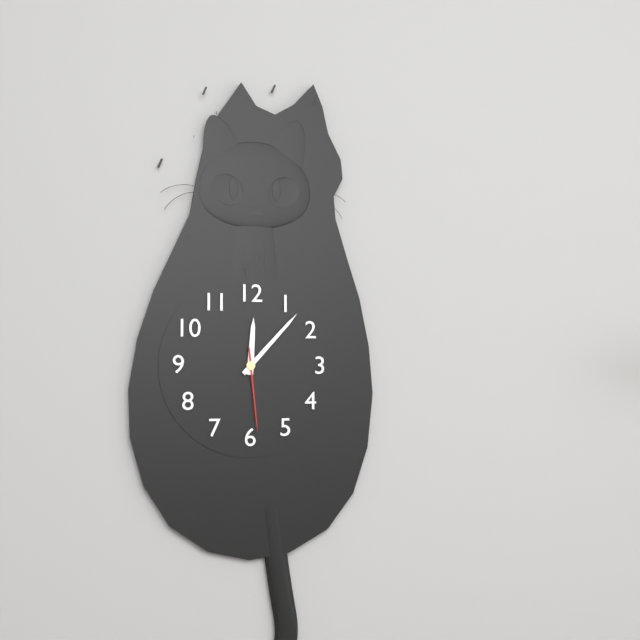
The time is 12:07:29
